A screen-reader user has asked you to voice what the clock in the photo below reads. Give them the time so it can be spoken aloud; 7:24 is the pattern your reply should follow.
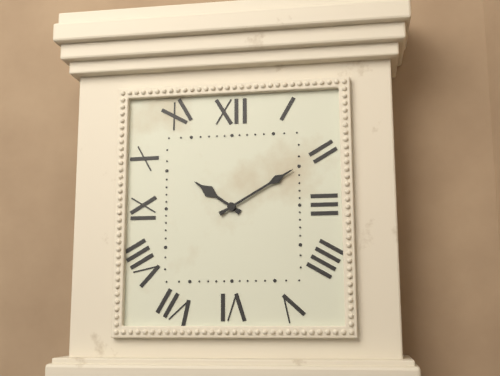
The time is 10:10
